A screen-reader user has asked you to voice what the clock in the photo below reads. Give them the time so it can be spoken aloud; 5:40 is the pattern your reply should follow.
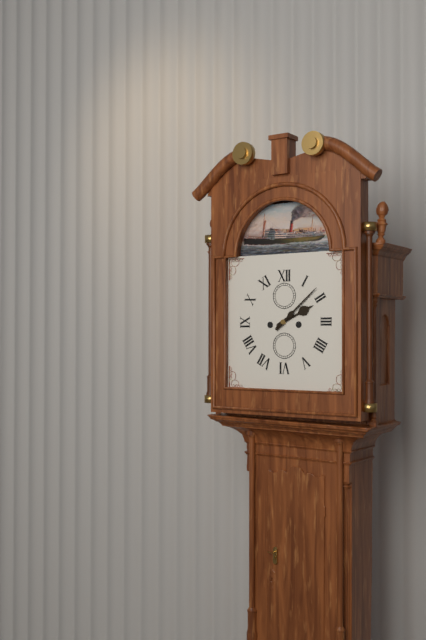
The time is 2:08
